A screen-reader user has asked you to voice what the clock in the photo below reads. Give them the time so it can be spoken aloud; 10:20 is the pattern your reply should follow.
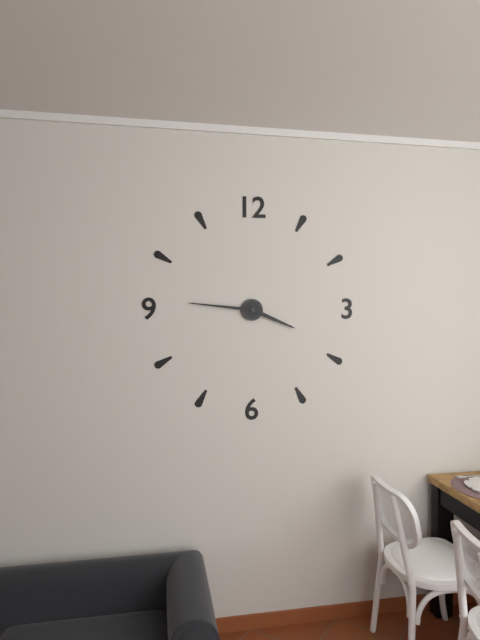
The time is 3:46
